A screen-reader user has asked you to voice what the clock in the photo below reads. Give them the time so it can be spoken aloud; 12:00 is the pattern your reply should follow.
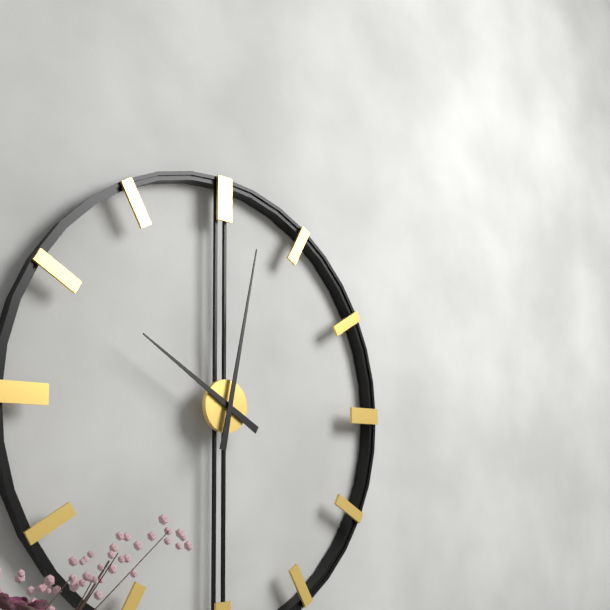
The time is 10:02
